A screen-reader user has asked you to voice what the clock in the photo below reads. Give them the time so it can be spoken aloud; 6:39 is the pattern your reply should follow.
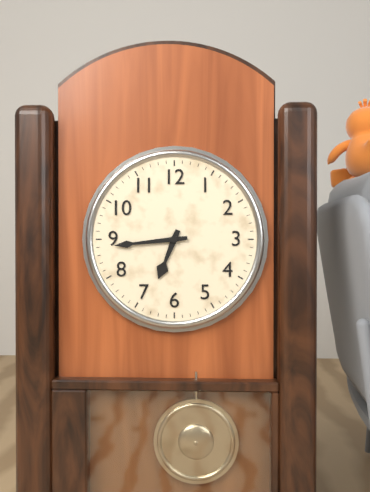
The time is 6:44
